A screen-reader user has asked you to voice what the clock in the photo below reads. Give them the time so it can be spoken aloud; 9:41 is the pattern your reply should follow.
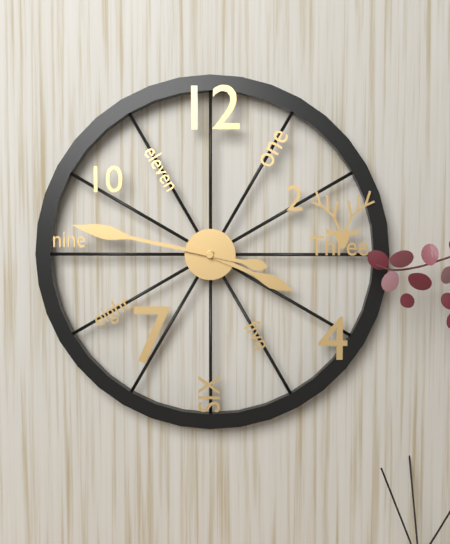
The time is 3:47
